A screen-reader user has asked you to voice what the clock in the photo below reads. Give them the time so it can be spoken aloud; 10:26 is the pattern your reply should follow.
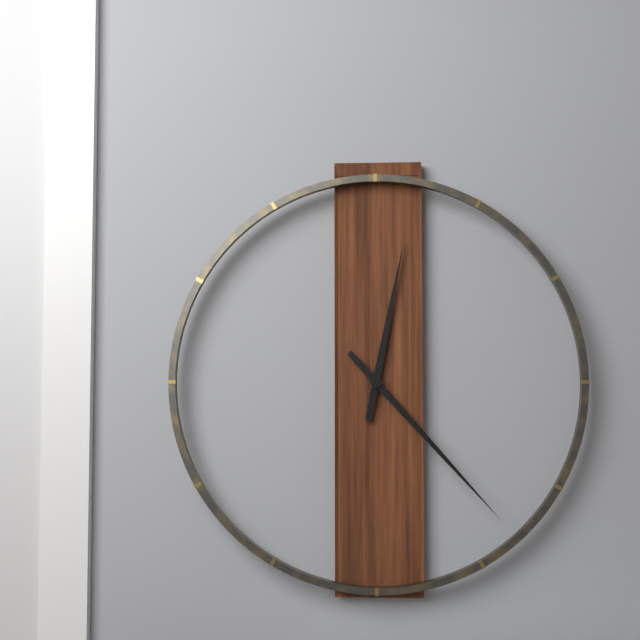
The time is 12:23
